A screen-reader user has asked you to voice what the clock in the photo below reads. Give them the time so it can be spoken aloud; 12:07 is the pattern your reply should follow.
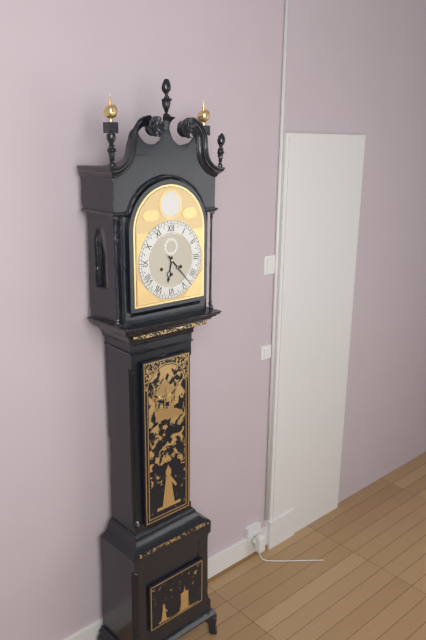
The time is 6:23
